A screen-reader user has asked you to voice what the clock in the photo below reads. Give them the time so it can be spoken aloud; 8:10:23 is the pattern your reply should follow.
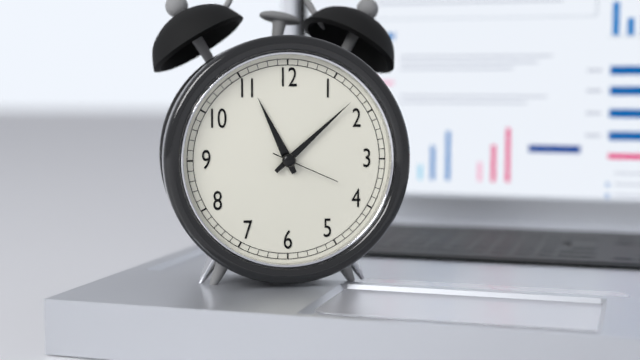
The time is 11:08:19
